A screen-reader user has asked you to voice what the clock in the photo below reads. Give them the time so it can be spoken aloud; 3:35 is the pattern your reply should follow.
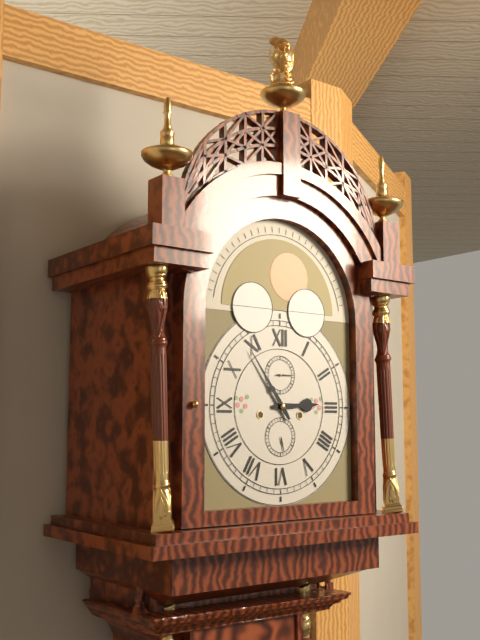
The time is 2:54
